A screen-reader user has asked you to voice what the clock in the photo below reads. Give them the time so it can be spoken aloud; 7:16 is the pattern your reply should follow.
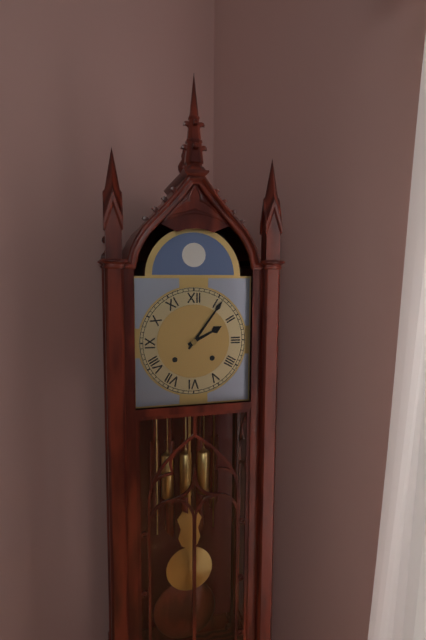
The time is 2:06
